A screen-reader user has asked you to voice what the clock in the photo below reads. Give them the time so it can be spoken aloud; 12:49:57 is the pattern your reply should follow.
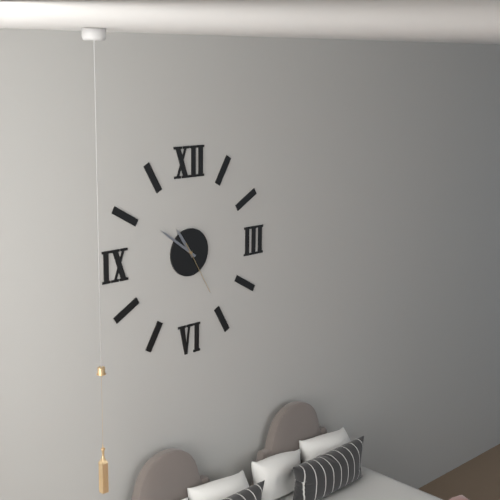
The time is 10:51:25
